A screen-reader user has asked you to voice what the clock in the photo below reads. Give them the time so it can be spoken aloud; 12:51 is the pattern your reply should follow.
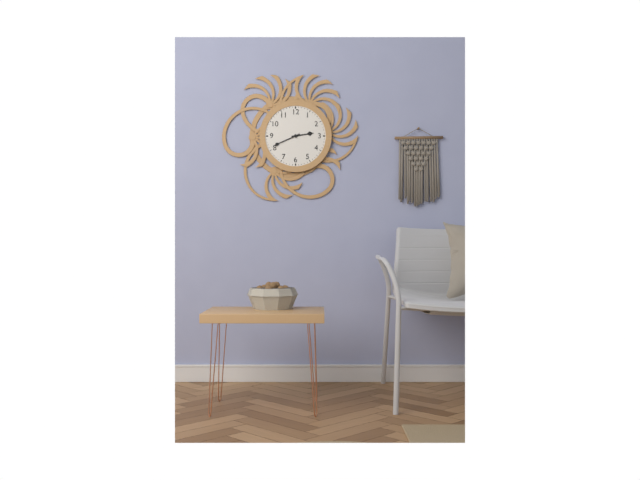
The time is 2:41
